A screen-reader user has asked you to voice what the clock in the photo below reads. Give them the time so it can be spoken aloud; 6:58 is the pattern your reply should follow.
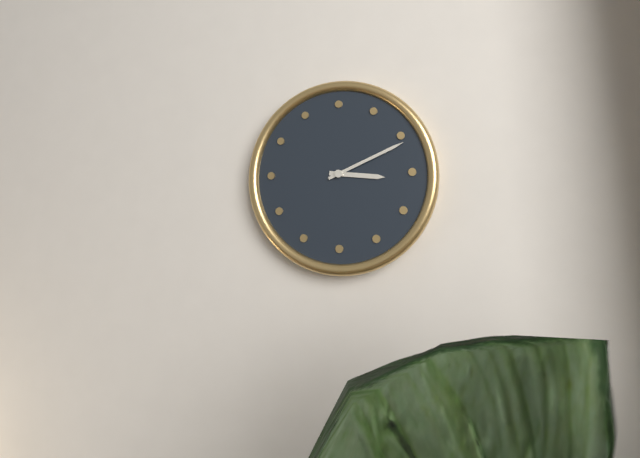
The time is 3:11
